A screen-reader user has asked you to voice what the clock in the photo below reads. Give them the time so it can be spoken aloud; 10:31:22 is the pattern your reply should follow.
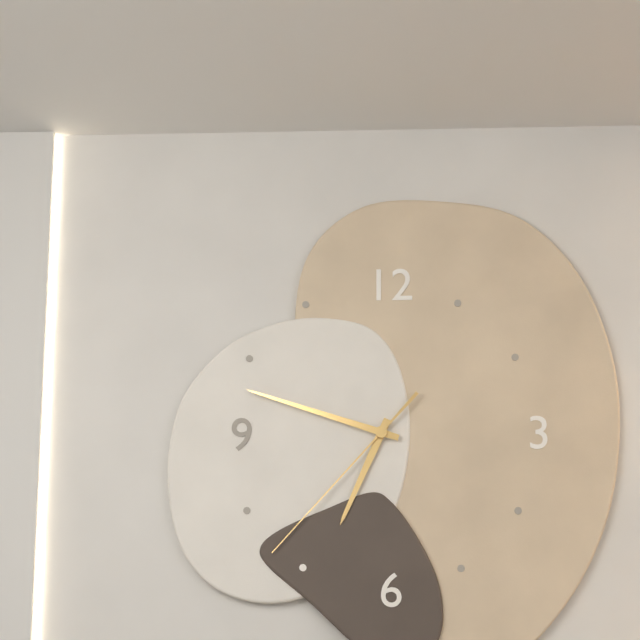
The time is 6:48:37
